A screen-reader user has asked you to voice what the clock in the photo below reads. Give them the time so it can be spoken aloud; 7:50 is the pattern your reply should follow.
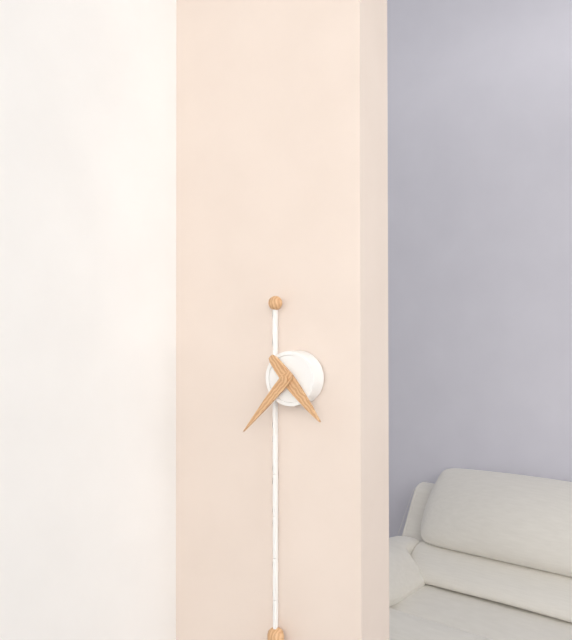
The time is 4:37
